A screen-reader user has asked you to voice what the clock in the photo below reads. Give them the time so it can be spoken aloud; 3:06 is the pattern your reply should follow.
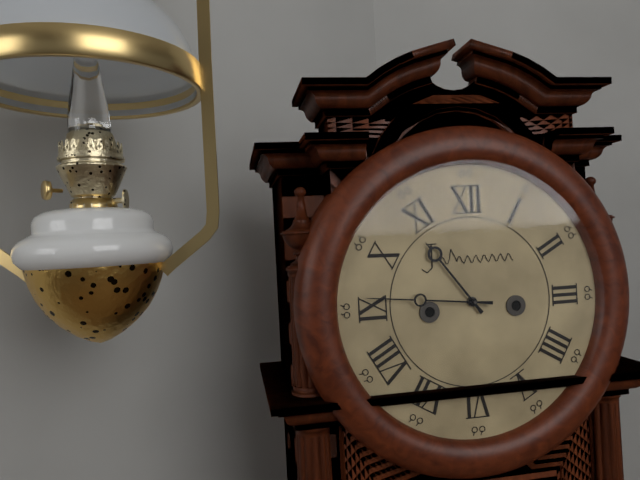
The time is 10:46
